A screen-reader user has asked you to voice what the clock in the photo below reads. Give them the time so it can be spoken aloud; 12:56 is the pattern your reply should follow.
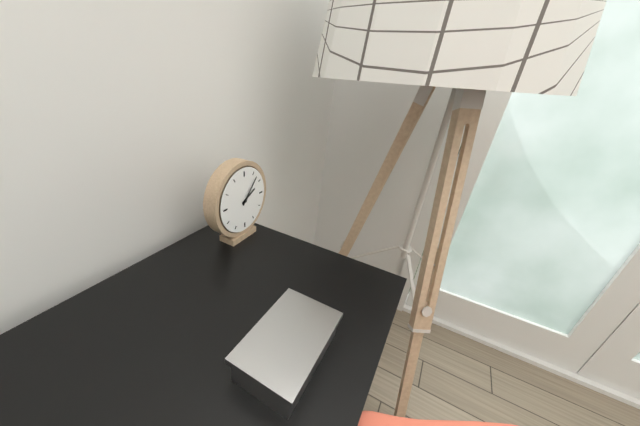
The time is 2:07
